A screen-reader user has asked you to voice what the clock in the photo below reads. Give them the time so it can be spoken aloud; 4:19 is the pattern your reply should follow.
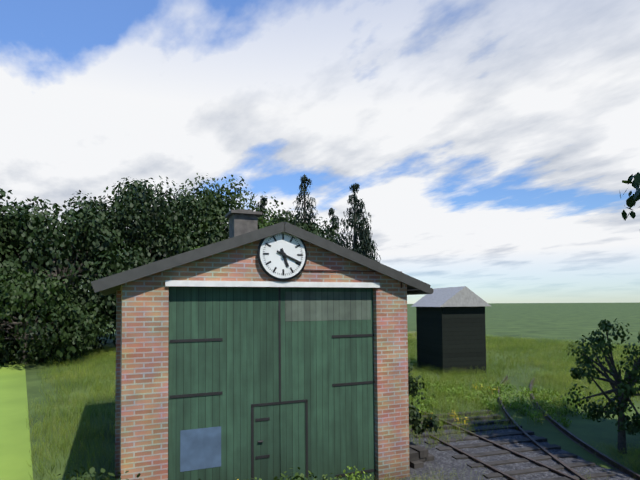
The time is 5:19
